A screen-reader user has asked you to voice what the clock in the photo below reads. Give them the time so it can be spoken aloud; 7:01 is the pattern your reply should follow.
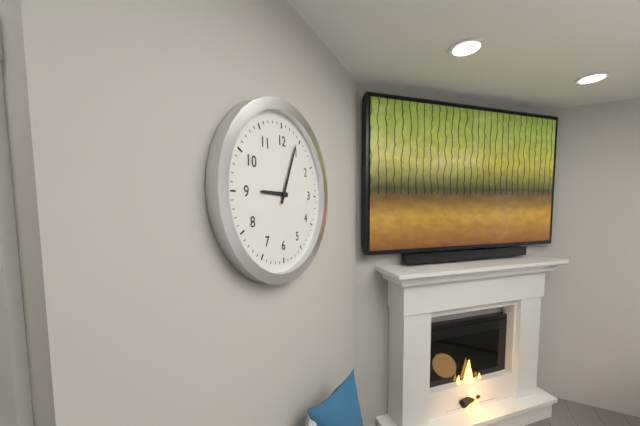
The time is 9:04
